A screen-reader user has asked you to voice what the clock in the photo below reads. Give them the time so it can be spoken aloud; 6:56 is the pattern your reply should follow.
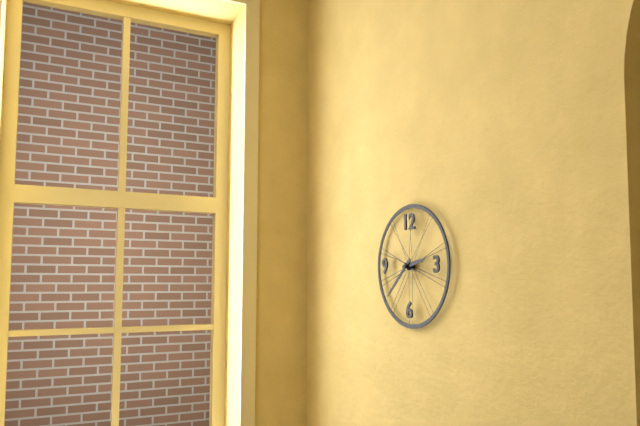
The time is 2:38
